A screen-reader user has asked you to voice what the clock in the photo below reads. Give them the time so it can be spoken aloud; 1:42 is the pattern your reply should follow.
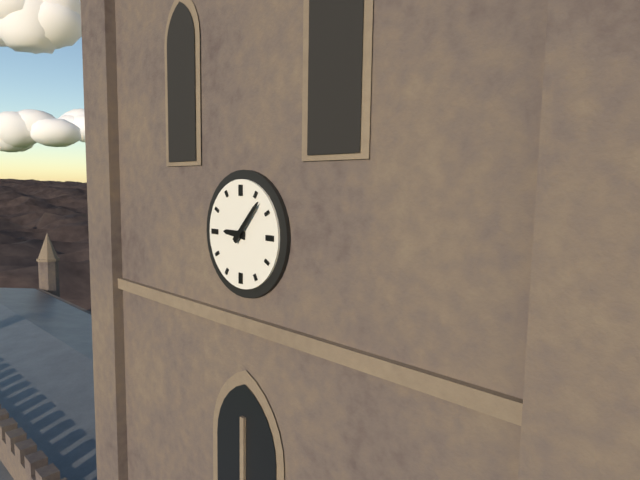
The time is 9:07
